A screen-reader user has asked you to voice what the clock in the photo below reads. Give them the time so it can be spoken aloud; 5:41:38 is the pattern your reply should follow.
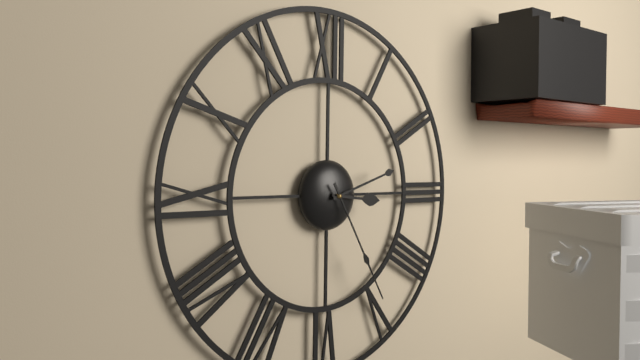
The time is 3:12:25
